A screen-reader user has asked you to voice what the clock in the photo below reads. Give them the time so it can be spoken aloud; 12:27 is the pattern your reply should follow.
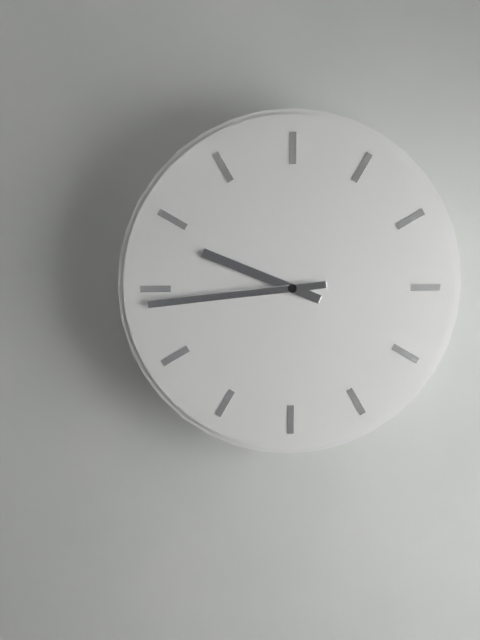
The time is 9:44
